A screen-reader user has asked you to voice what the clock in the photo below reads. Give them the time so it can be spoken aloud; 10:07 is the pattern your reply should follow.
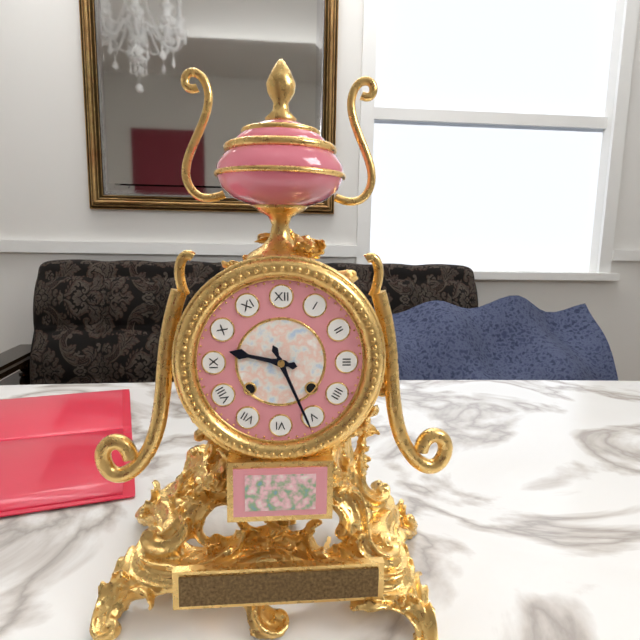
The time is 9:26
